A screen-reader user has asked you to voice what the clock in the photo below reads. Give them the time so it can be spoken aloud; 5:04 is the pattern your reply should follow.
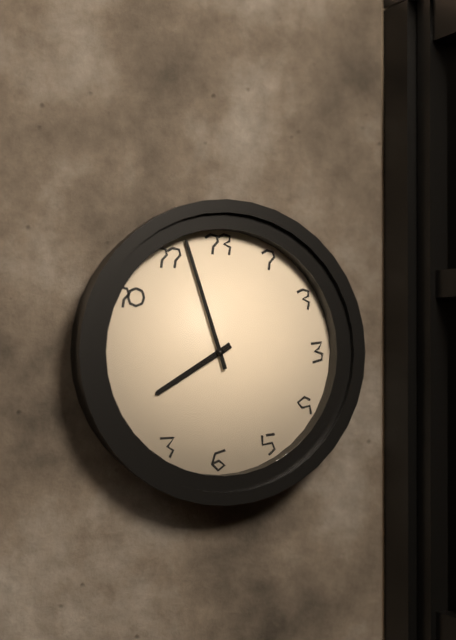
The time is 7:57
